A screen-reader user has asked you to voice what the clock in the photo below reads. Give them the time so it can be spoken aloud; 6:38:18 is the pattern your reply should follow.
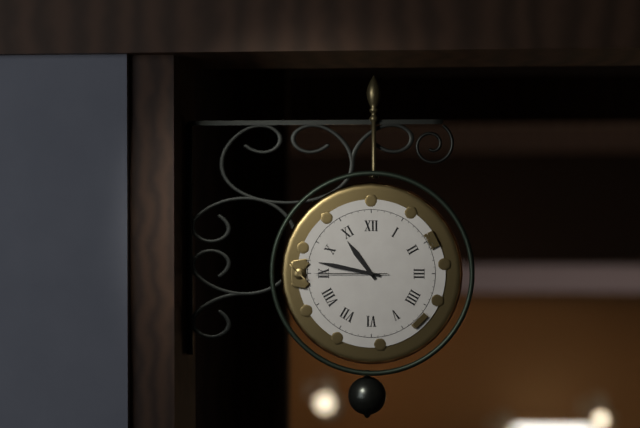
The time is 10:47:45
